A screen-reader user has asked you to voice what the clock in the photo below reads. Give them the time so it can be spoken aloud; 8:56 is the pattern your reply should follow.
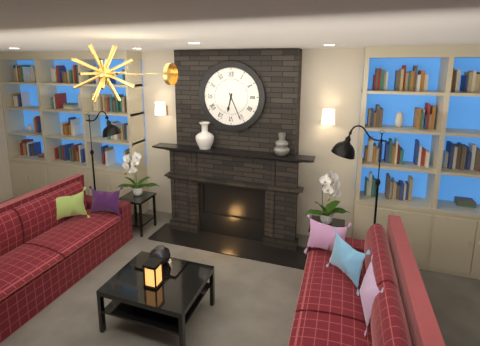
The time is 6:26
